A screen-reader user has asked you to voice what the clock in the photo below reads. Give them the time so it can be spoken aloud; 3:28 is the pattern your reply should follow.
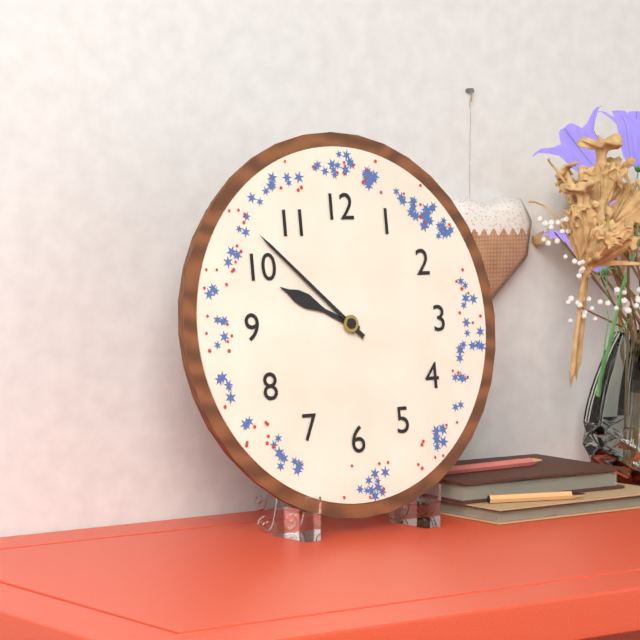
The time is 9:52
